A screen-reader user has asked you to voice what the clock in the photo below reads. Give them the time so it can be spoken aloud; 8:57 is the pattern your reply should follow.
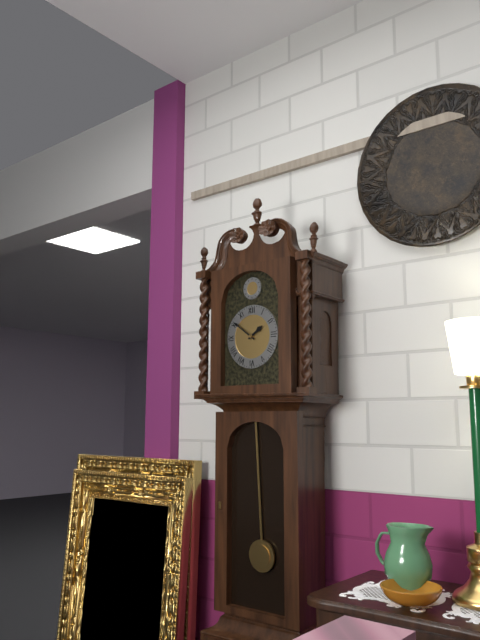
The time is 1:51
